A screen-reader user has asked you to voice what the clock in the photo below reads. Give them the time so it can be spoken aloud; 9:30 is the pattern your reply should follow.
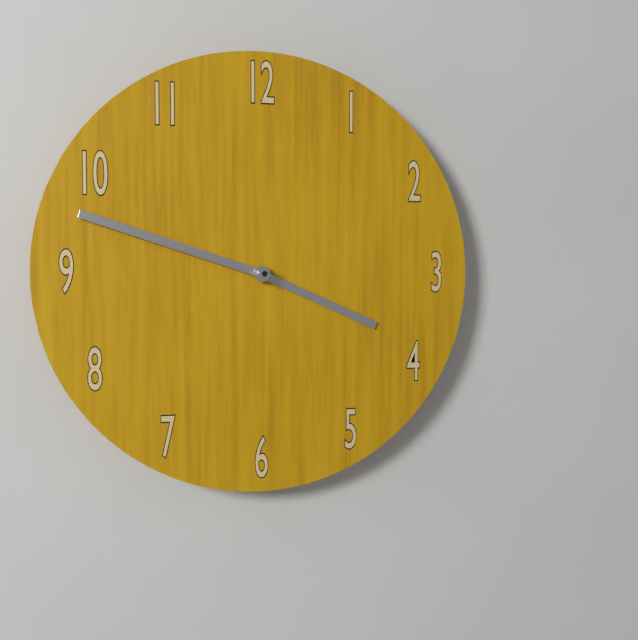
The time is 3:48
